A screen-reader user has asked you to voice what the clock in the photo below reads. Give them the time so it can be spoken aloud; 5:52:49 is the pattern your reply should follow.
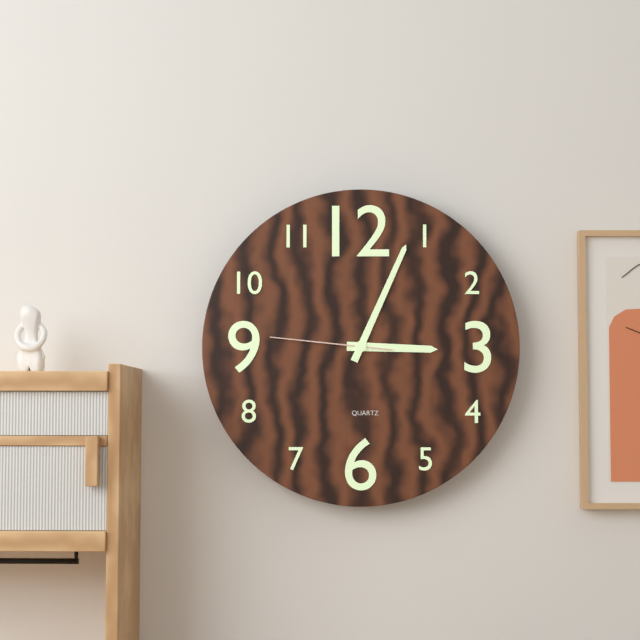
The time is 3:04:46
